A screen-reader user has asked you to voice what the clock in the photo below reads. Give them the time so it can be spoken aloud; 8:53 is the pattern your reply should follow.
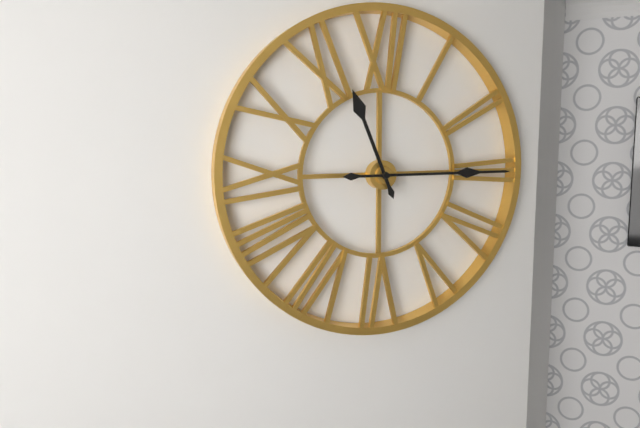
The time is 11:15
